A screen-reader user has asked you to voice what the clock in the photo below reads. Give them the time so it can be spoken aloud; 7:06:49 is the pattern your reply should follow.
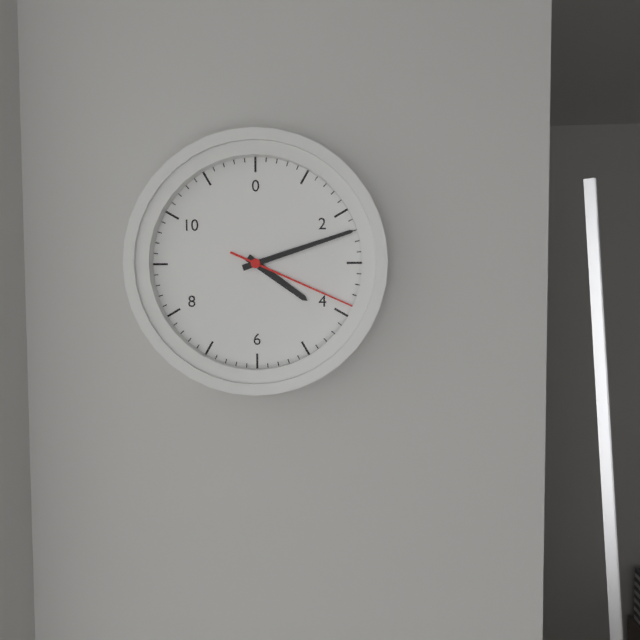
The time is 4:12:19
